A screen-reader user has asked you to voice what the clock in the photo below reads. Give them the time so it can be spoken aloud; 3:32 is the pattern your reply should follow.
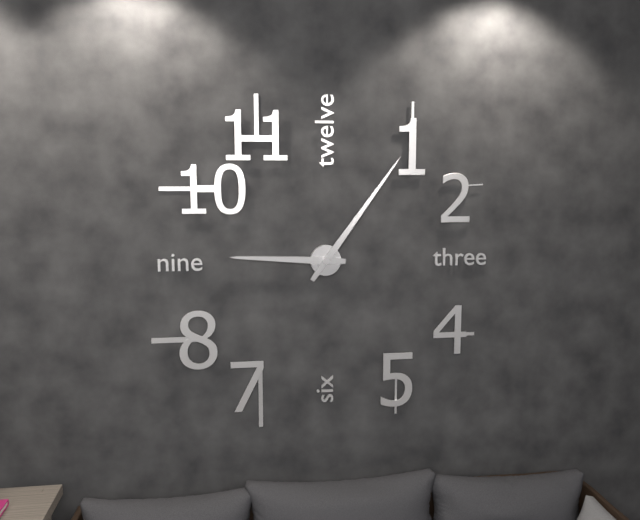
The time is 9:06
